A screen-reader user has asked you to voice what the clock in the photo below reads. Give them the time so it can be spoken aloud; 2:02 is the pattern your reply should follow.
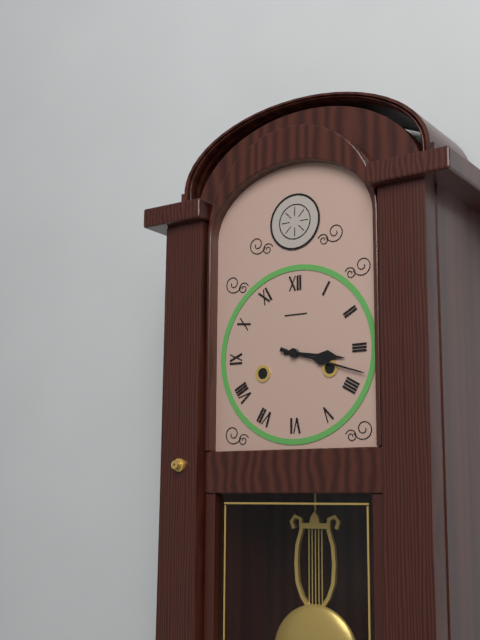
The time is 3:18
